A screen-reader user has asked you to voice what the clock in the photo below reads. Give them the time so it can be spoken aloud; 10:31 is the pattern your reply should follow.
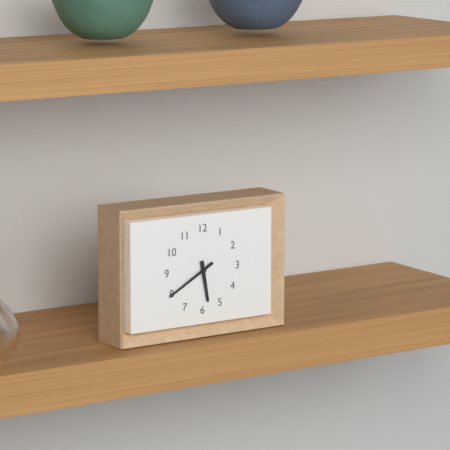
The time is 5:40
